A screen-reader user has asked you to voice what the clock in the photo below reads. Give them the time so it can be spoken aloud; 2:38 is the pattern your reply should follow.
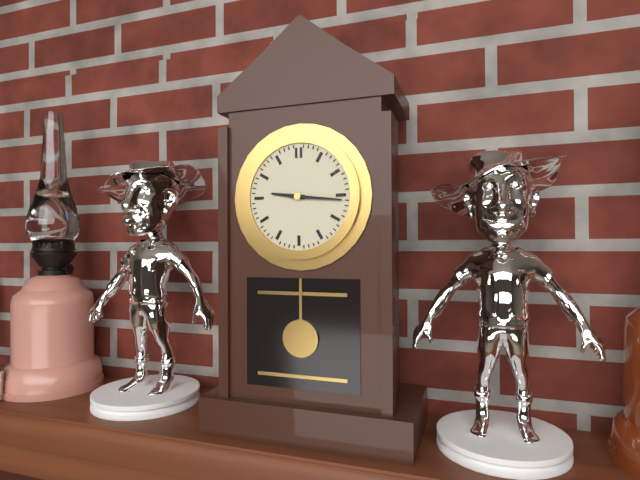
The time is 9:16
